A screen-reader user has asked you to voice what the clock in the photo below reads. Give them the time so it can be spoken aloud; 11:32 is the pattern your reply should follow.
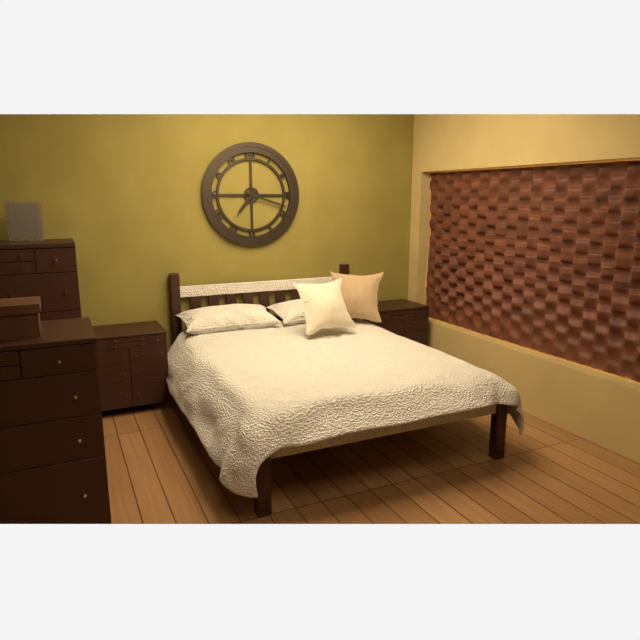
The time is 7:18
